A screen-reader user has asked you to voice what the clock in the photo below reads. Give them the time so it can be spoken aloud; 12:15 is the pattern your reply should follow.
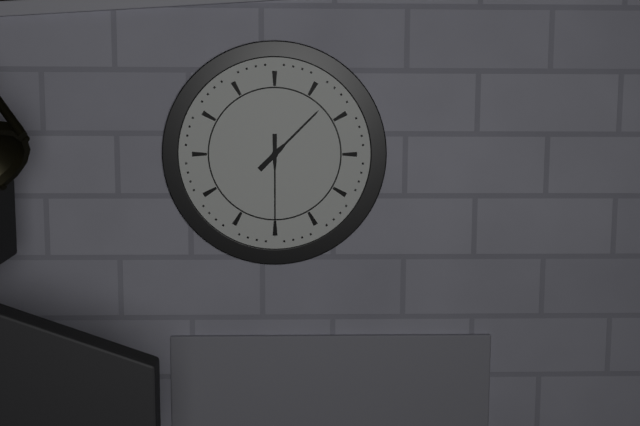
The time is 1:30
